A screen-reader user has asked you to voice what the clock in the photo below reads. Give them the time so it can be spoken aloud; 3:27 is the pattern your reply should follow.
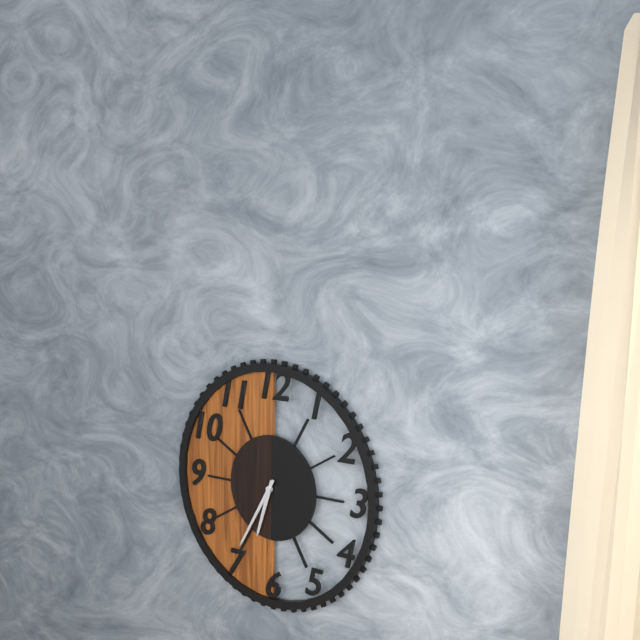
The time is 6:35
